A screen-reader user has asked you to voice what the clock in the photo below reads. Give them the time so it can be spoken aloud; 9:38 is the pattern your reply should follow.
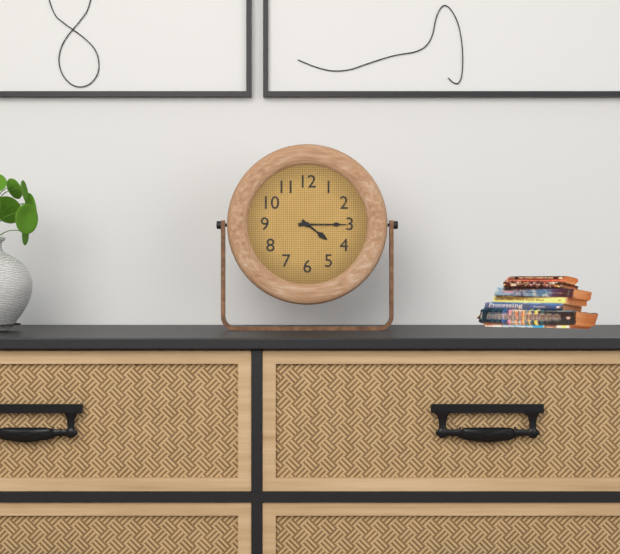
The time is 4:15
